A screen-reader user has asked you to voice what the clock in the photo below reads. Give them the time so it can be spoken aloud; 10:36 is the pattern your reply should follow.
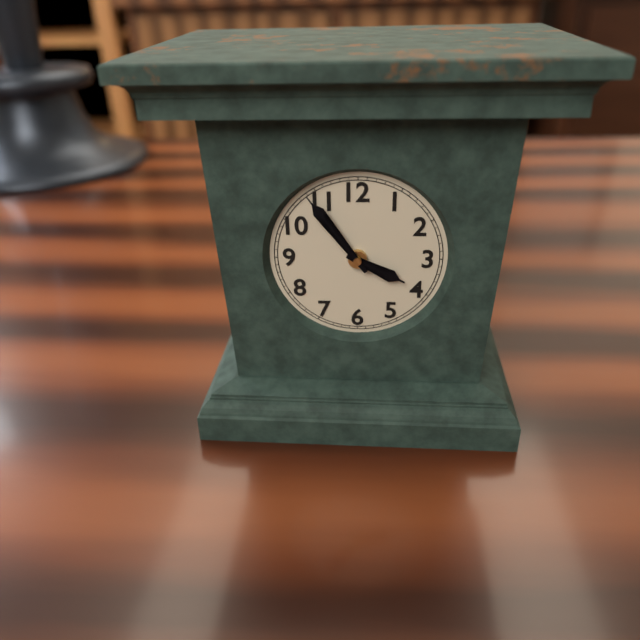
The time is 3:54
